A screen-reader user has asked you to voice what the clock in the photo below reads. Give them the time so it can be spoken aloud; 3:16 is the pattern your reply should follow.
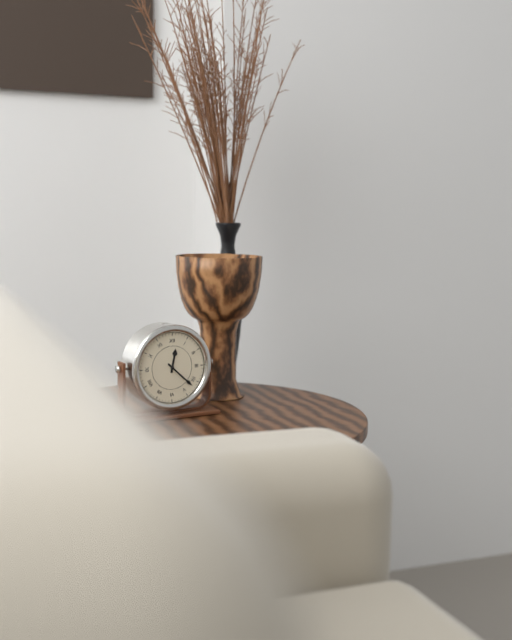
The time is 12:22
